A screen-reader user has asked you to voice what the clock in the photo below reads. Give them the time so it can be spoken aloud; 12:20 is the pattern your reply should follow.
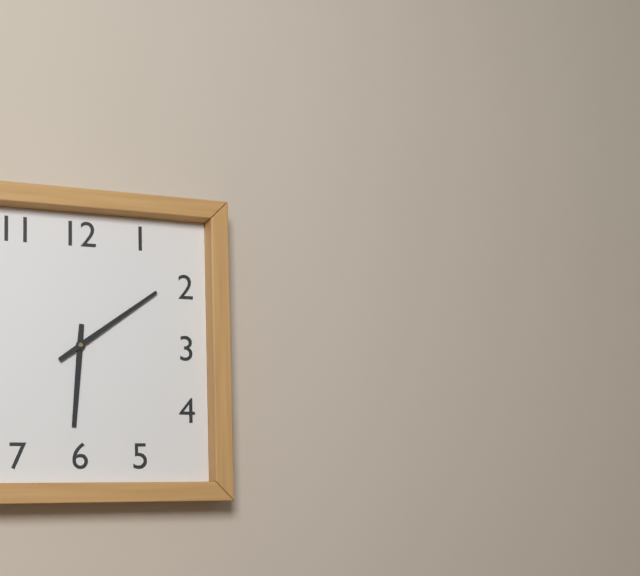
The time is 6:09
